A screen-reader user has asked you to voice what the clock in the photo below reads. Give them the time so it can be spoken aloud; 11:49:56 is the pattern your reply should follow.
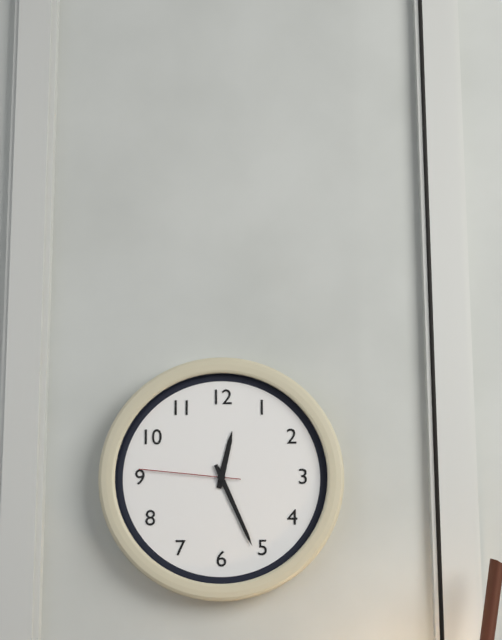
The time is 12:26:46
